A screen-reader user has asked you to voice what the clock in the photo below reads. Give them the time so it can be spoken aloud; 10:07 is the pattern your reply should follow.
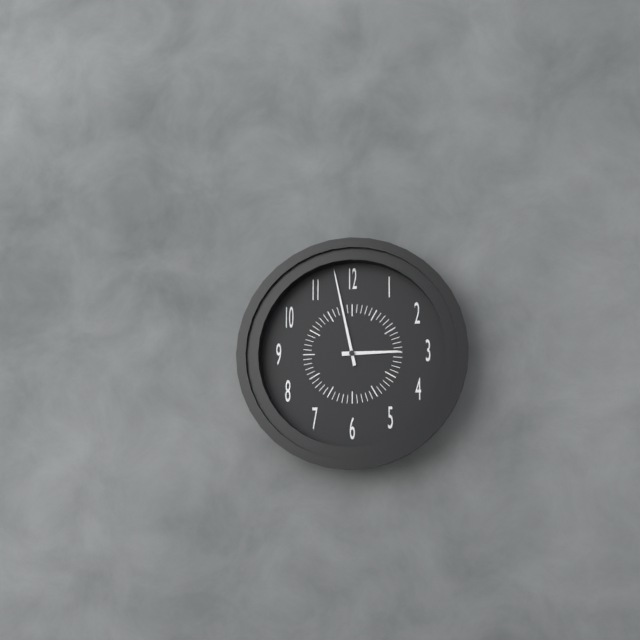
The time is 2:58
